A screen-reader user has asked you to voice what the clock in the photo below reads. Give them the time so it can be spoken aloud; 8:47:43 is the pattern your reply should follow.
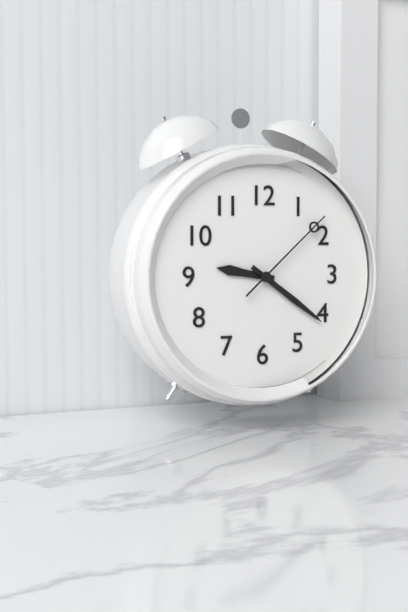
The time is 9:21:08
